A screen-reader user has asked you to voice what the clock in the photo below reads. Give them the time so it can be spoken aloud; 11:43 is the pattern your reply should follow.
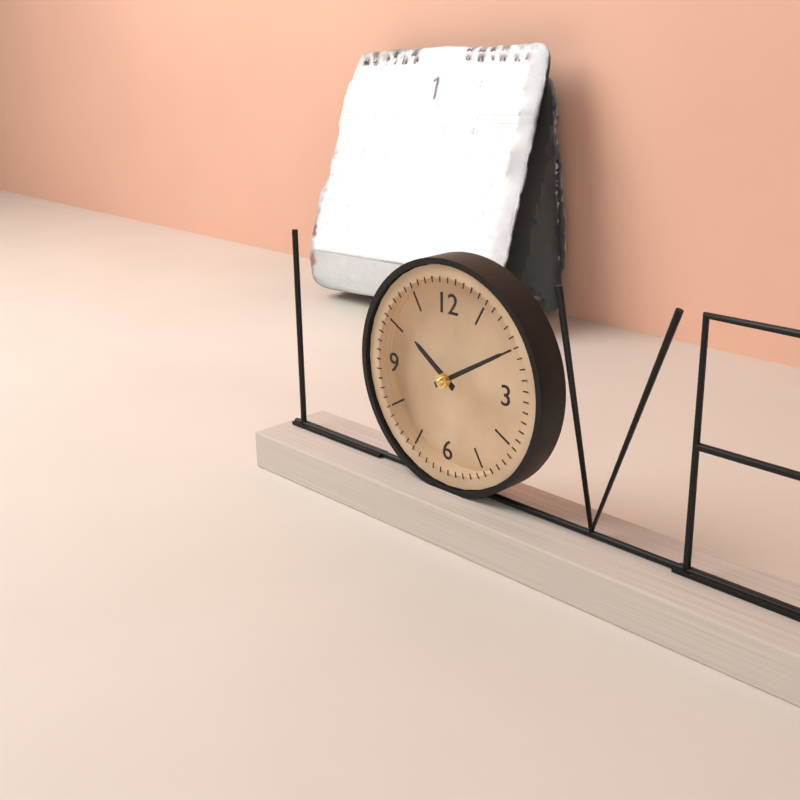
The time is 10:10
